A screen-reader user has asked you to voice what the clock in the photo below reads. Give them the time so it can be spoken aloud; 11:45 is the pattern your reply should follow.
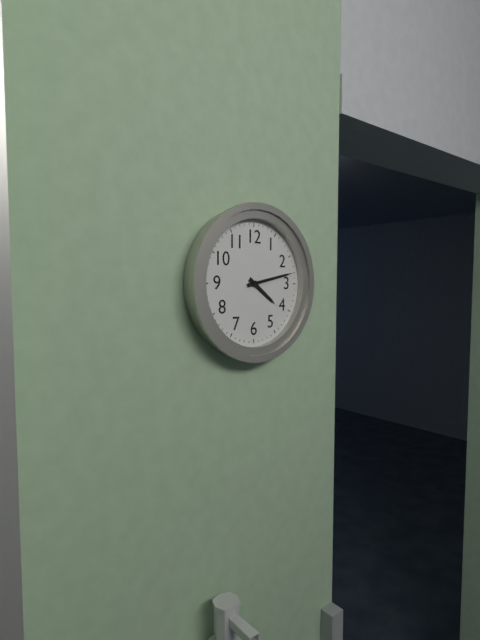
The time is 4:13
